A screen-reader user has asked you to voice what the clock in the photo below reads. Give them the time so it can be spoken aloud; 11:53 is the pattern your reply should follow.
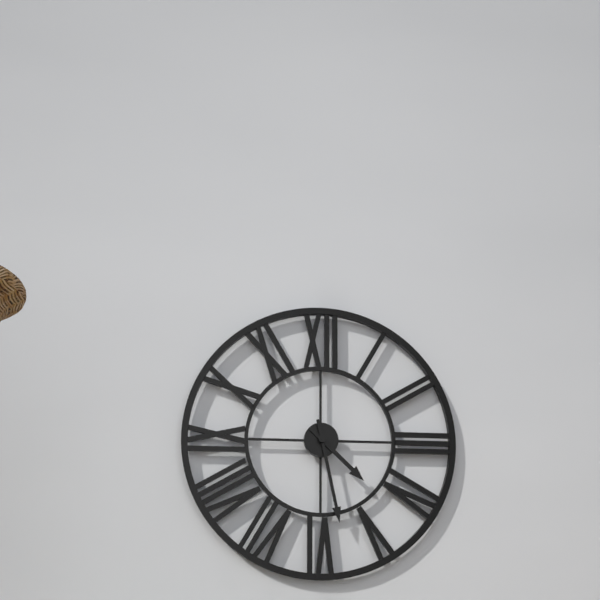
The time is 4:28
